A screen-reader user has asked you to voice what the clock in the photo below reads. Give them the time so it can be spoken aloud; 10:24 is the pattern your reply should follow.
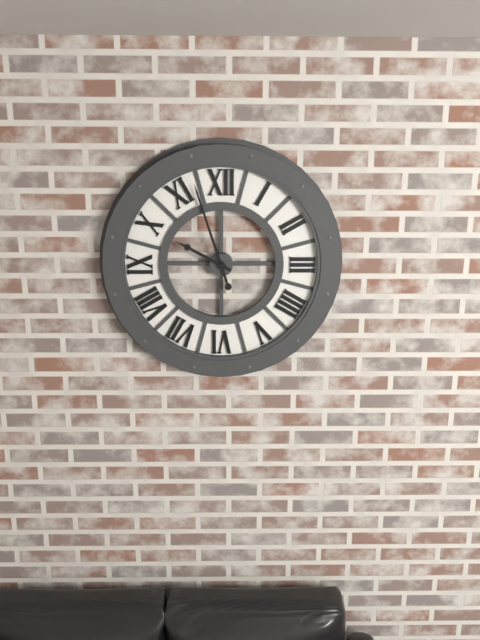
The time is 9:57
